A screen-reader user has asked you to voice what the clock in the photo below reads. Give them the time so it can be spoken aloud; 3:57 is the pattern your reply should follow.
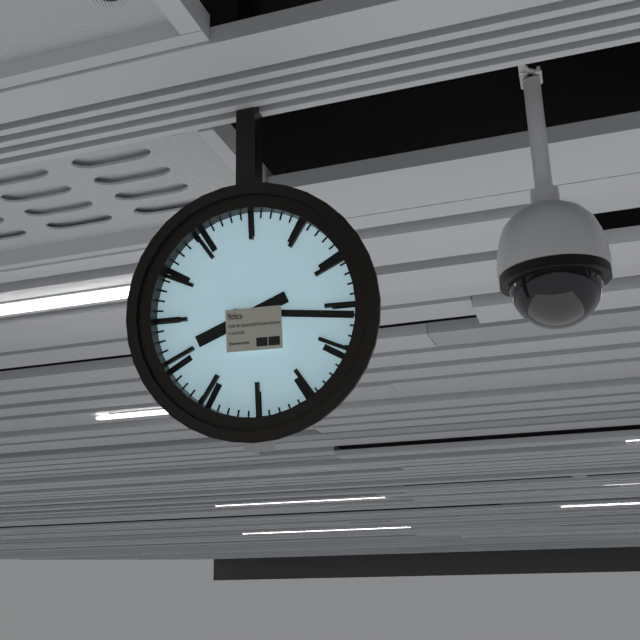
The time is 8:16
